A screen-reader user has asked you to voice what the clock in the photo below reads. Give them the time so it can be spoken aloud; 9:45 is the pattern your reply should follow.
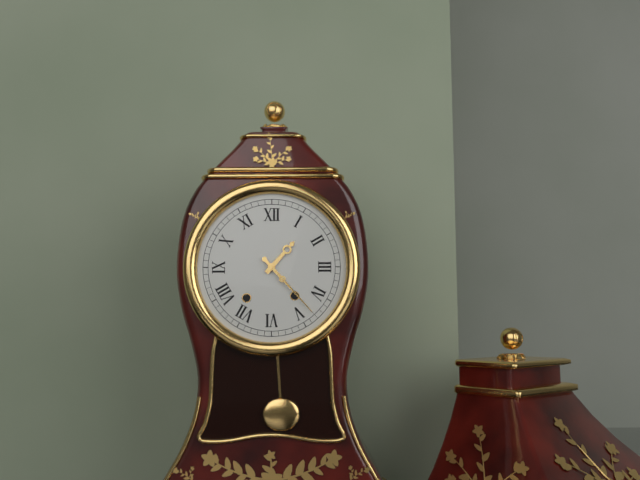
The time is 1:23
